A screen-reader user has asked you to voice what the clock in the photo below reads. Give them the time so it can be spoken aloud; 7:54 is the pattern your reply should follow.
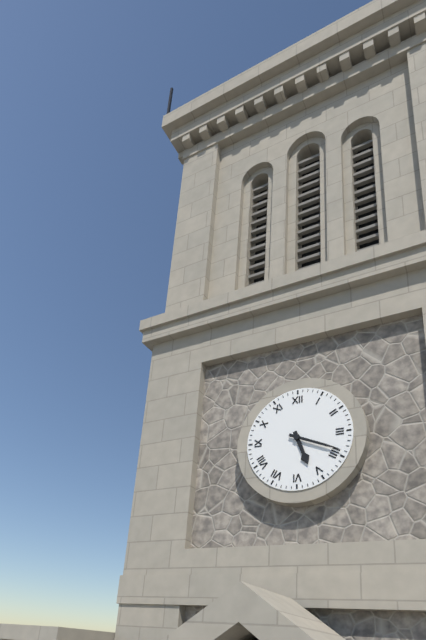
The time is 5:19
